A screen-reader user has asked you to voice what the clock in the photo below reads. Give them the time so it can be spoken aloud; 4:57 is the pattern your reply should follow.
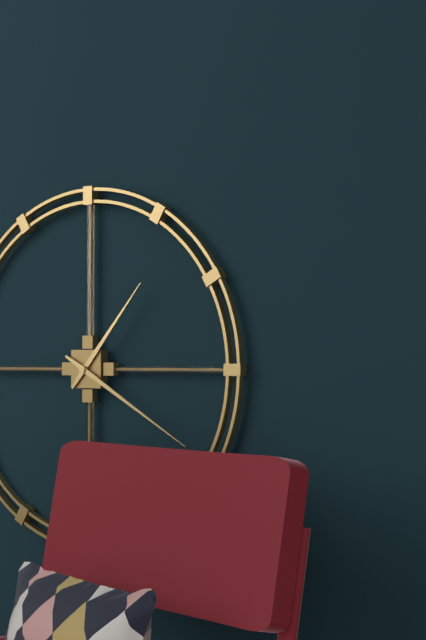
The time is 1:20
